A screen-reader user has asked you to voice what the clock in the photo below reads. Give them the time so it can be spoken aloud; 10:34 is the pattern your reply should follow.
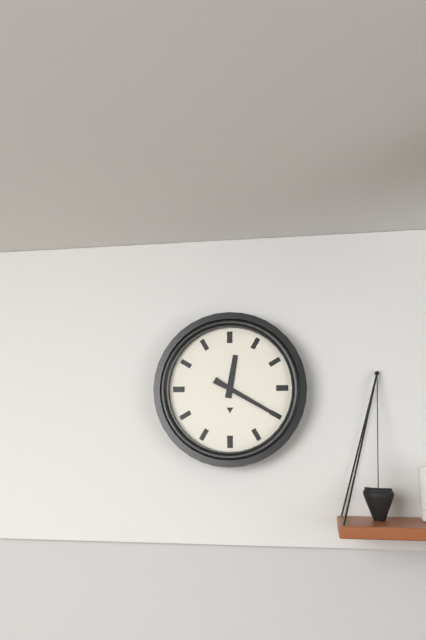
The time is 12:20
